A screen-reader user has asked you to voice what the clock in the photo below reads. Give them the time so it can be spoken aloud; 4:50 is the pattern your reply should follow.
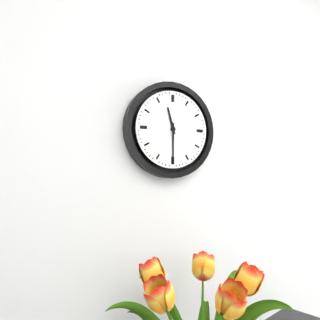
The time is 11:30
